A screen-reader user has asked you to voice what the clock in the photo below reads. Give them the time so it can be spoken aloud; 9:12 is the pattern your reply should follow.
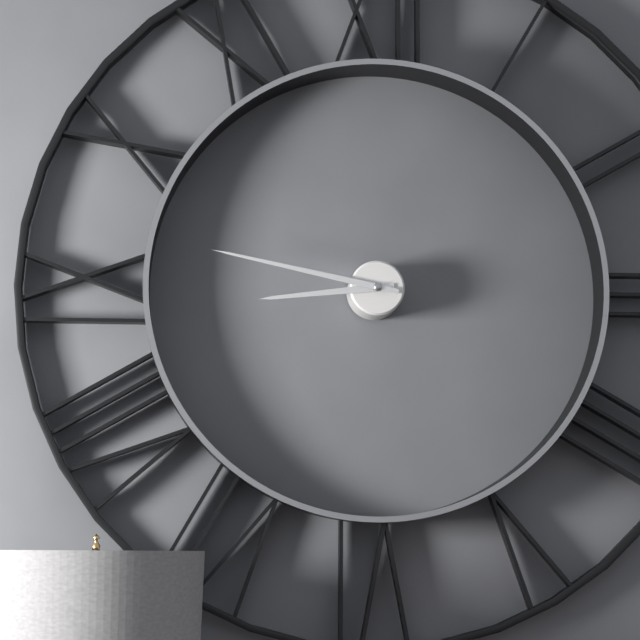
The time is 8:47
